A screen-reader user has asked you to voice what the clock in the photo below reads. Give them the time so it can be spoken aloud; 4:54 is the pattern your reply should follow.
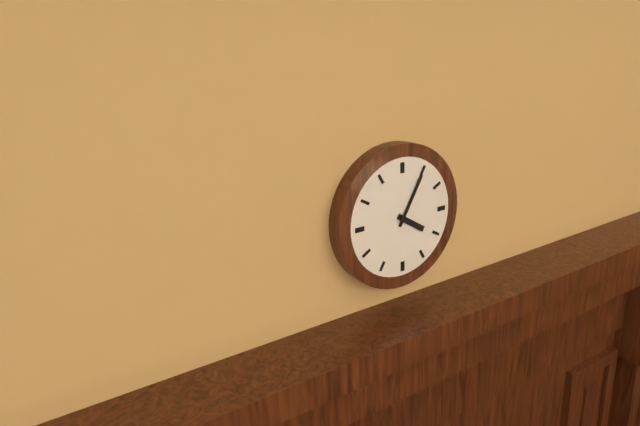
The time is 4:05
